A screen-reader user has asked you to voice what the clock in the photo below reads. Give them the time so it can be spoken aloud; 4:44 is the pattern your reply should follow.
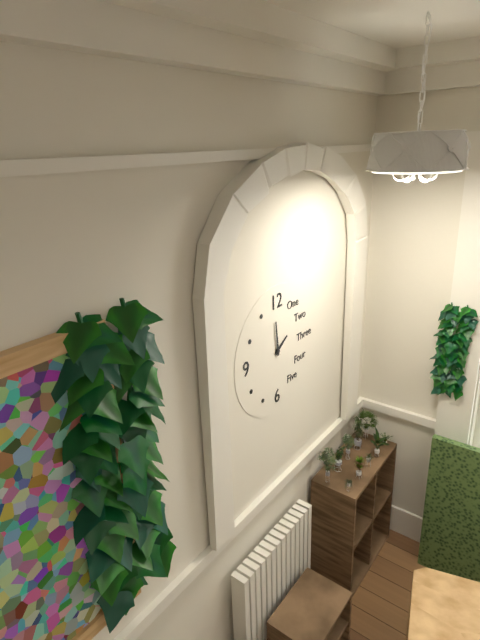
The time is 1:59
